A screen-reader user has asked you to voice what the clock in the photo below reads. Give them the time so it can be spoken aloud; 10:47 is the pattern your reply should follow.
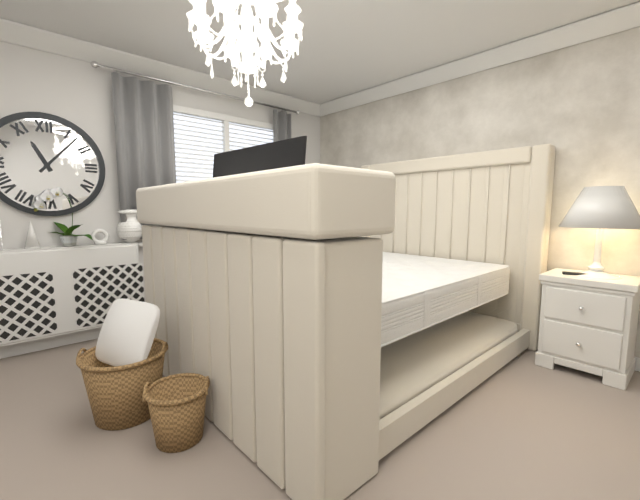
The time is 11:07
